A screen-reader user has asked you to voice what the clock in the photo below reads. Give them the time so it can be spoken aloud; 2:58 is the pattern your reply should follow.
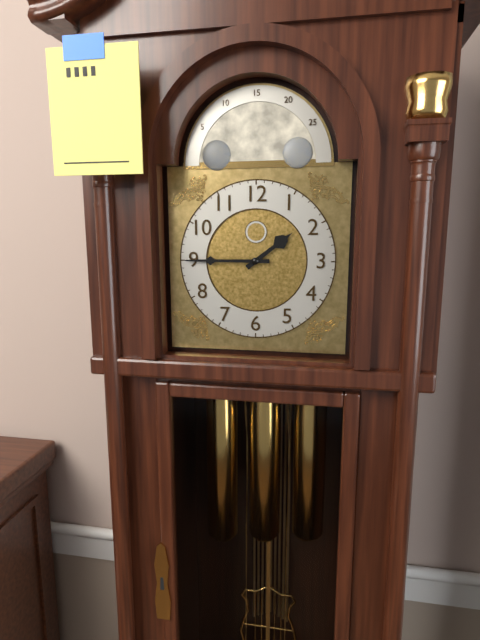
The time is 1:45
